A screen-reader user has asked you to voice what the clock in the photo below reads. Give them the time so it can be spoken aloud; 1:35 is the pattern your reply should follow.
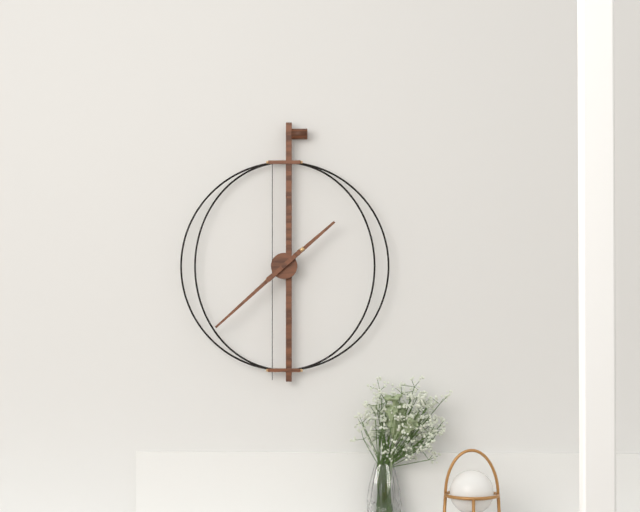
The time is 1:38
